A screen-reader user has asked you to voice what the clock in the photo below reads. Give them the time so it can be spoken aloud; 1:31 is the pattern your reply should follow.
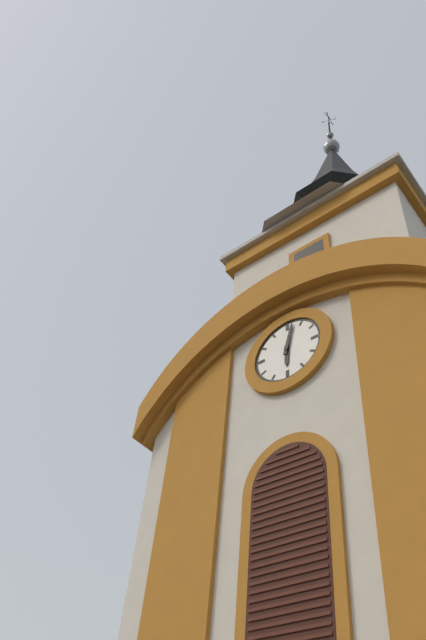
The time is 6:02
